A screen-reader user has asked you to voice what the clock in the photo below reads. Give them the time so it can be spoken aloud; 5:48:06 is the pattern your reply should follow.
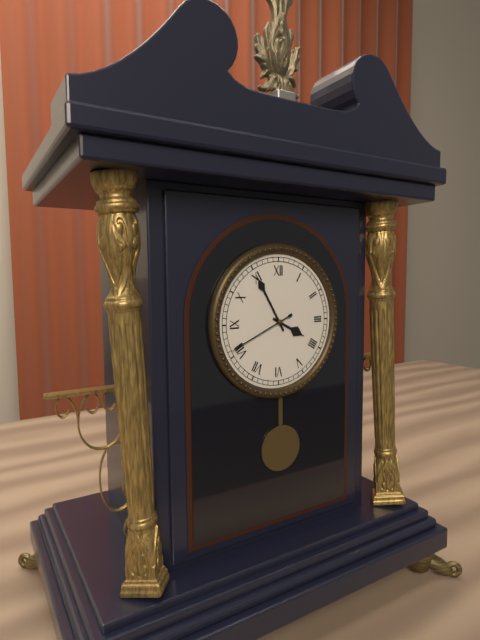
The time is 3:55:41
